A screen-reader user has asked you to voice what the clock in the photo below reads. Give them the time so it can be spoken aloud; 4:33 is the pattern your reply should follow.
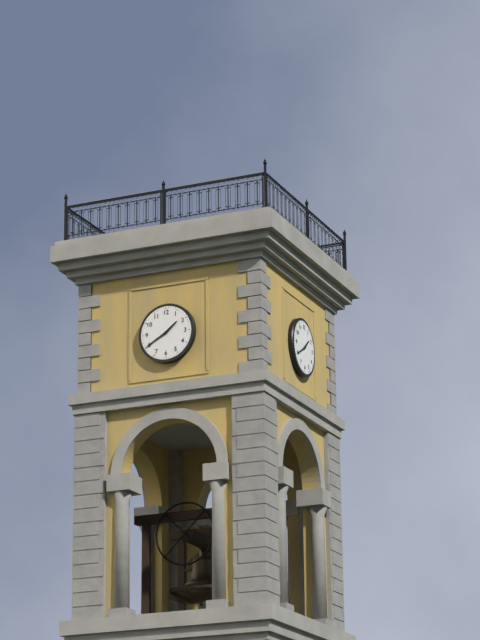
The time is 1:40
